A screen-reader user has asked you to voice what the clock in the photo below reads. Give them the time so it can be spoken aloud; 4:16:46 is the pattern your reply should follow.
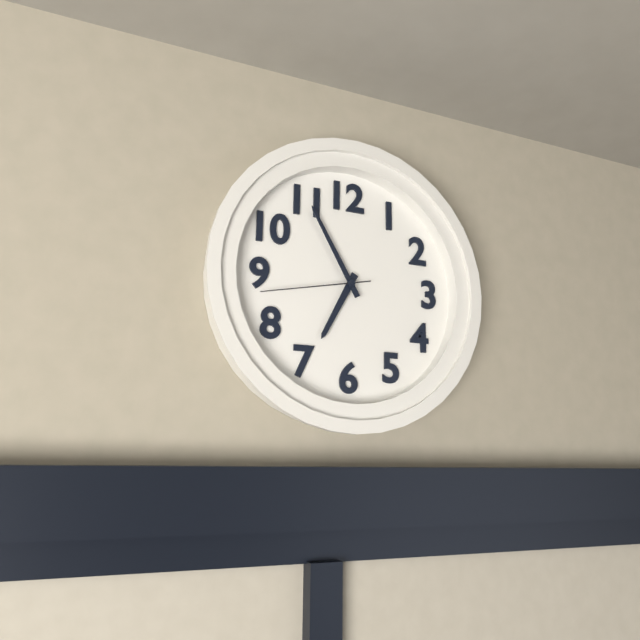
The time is 6:55:43
